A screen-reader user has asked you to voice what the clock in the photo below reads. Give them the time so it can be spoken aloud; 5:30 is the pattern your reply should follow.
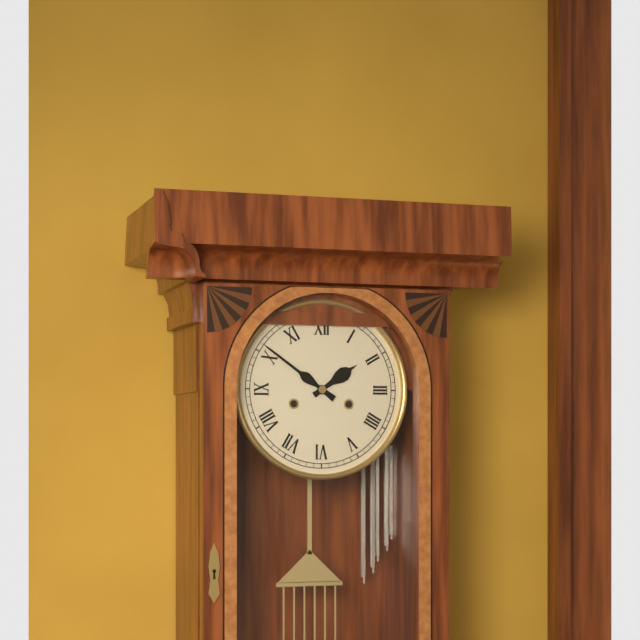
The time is 1:51
